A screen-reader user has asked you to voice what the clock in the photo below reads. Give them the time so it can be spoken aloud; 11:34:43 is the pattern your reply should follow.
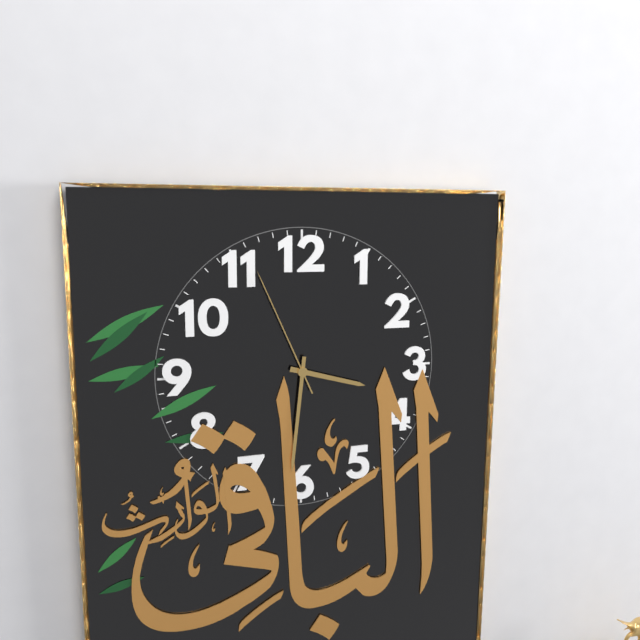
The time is 3:31:56
